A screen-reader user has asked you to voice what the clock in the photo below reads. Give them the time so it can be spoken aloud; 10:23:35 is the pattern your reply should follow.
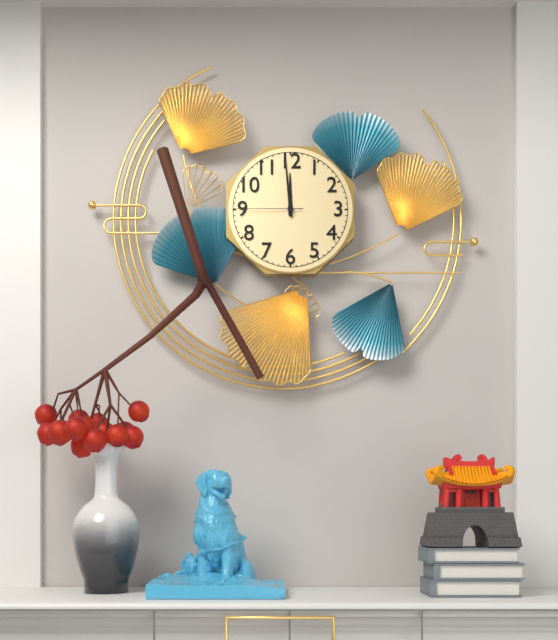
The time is 11:59:45
